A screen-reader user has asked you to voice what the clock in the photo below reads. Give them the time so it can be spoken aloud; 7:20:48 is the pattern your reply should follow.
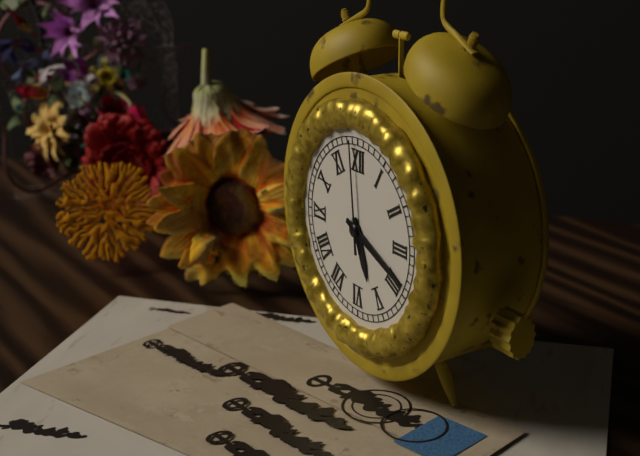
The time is 5:19:59
